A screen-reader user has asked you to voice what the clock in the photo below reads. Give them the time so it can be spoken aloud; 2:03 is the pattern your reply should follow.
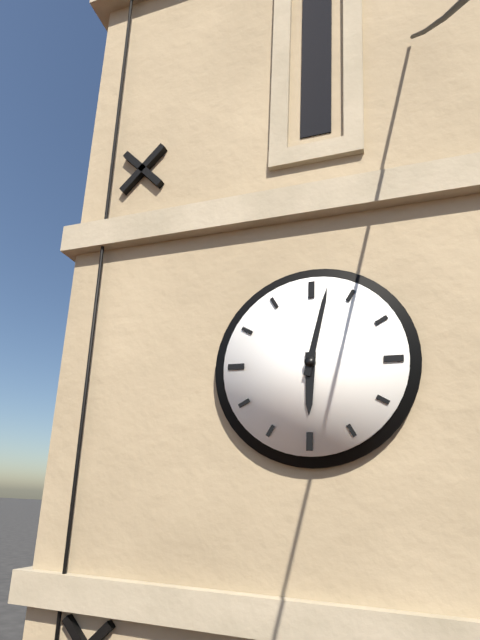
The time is 6:02
